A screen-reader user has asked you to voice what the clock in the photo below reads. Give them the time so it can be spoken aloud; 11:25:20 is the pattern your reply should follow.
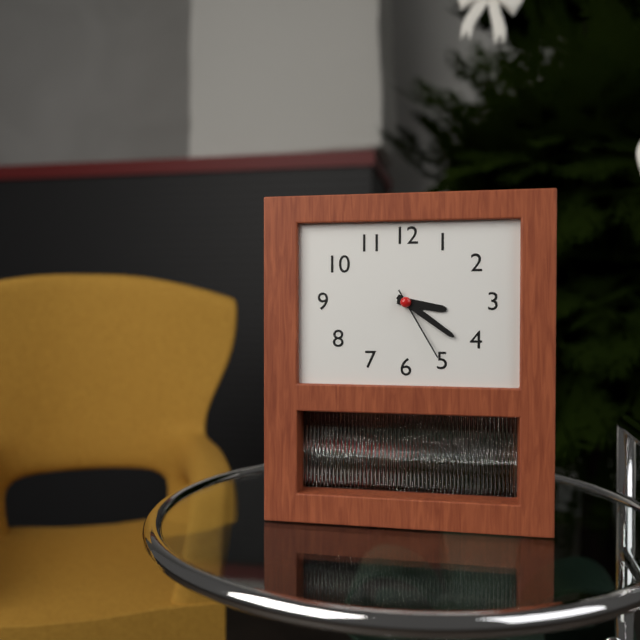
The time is 3:21:25
